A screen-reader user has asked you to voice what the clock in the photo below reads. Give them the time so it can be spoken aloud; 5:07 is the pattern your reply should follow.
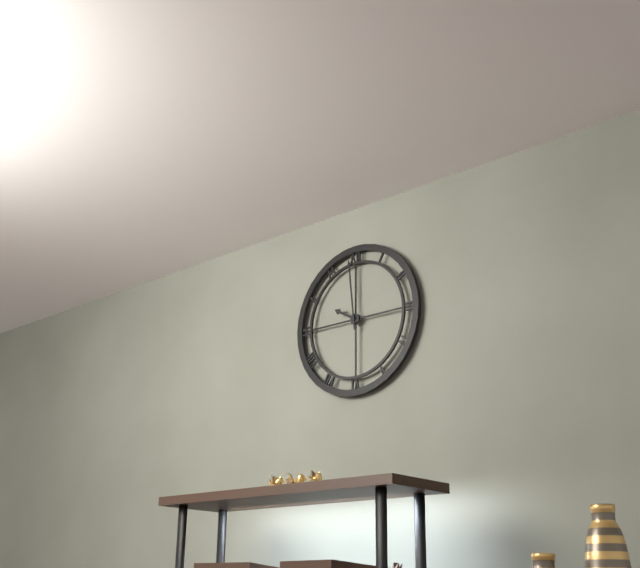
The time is 9:59
